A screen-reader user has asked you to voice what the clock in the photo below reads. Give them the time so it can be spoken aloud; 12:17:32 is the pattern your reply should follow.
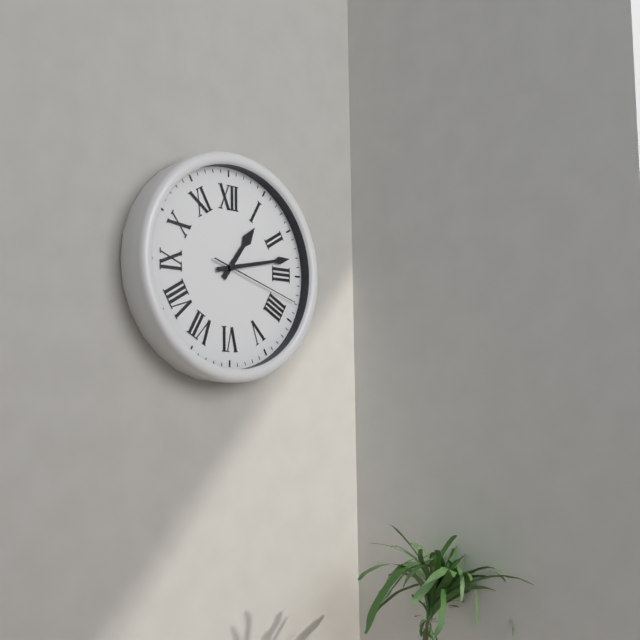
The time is 1:13:18
